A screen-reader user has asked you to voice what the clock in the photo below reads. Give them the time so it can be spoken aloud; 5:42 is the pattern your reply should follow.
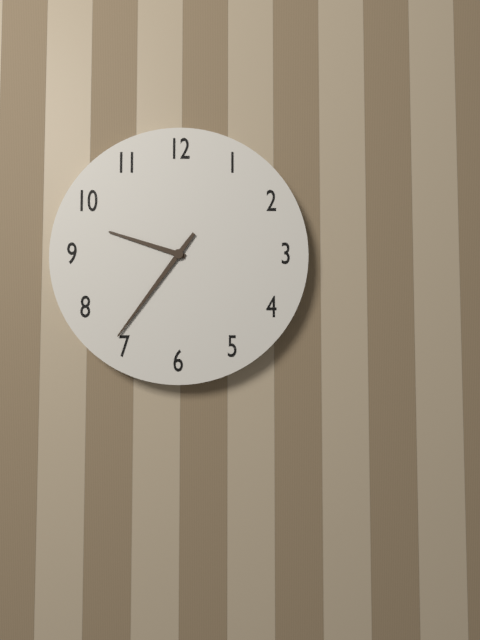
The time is 9:36
